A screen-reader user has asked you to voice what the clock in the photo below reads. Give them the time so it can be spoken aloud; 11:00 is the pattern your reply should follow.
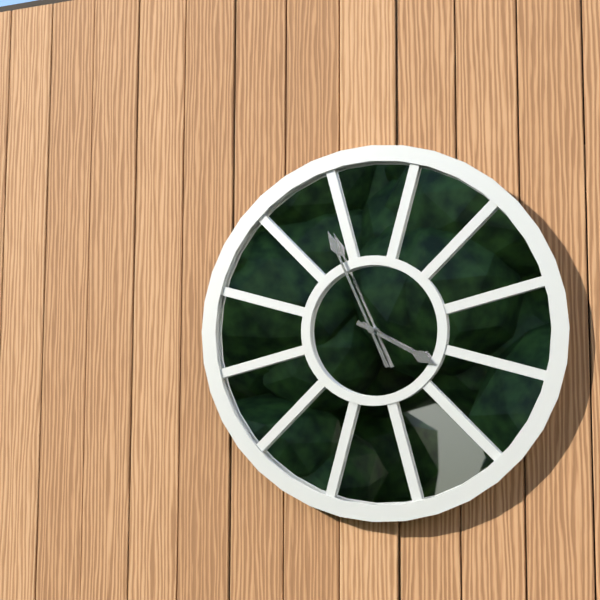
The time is 3:56
